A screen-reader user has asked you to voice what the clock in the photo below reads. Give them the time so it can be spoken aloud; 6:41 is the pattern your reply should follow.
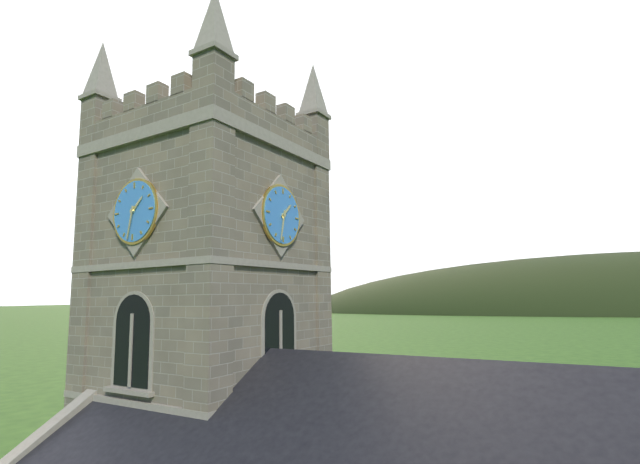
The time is 1:32
